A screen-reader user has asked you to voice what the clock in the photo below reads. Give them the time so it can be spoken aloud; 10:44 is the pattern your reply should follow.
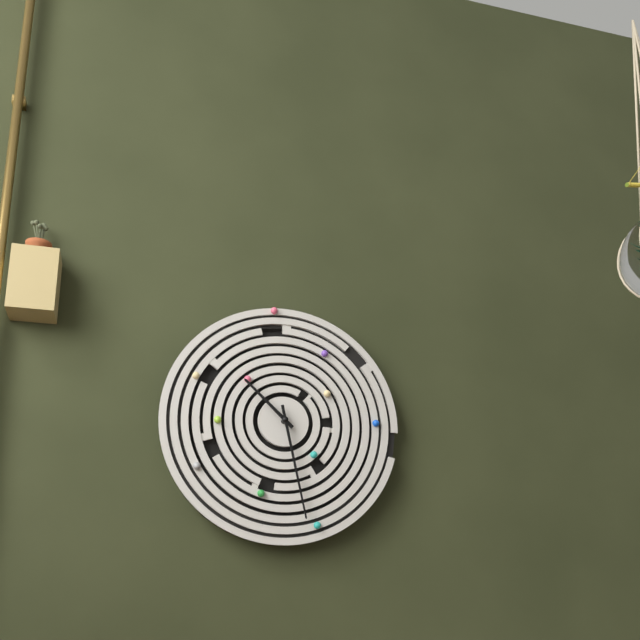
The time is 10:28
